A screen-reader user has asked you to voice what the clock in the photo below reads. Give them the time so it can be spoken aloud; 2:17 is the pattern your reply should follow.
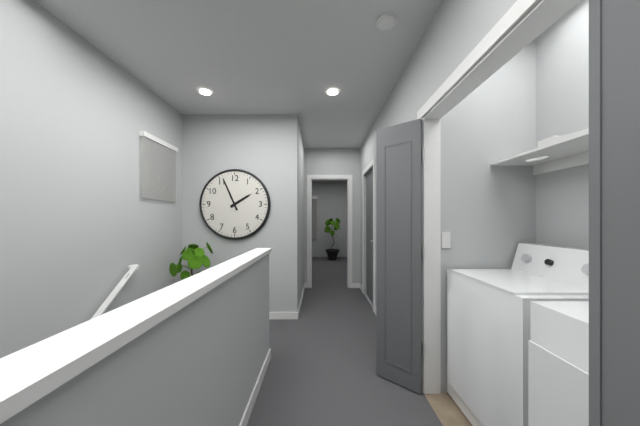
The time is 1:56
